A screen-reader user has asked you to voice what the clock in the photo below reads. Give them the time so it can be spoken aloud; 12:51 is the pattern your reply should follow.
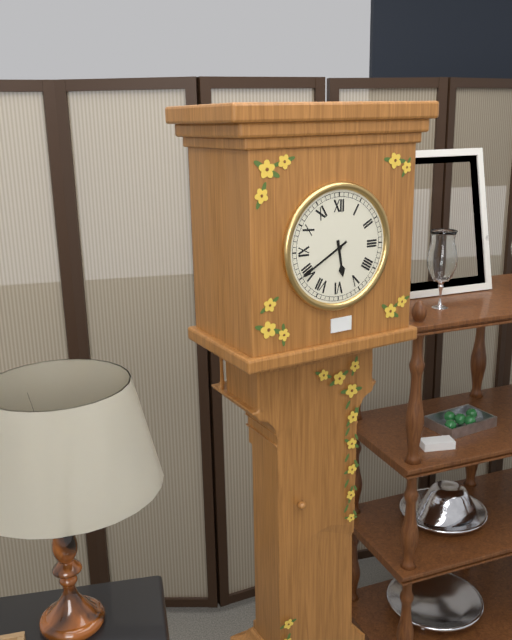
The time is 5:40
